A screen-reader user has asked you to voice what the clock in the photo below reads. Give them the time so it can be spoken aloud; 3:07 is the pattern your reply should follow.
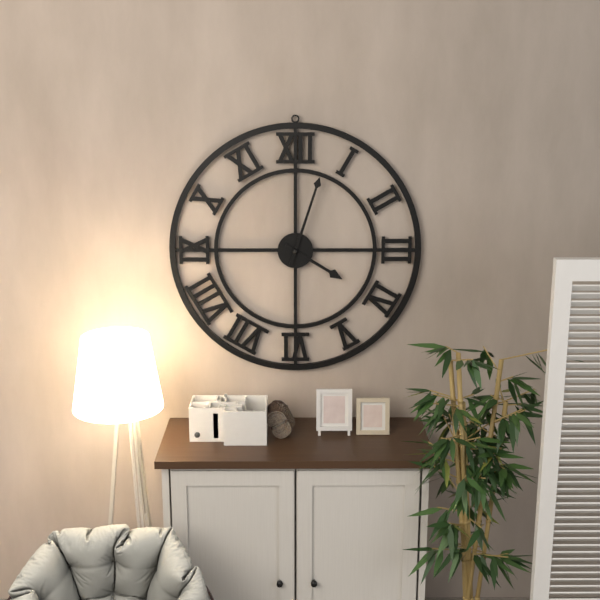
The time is 4:03
